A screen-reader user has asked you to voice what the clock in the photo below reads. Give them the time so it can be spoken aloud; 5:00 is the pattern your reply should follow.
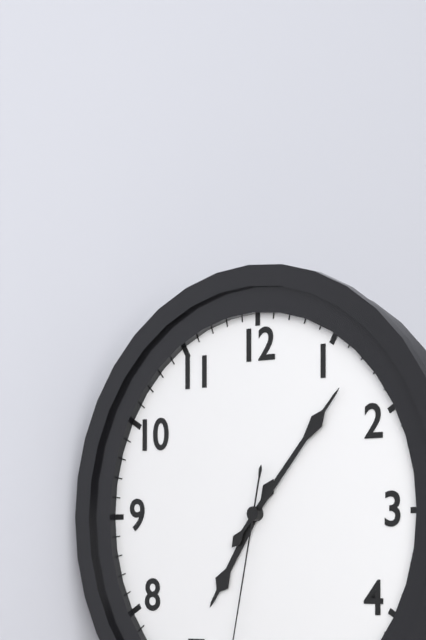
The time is 7:07
